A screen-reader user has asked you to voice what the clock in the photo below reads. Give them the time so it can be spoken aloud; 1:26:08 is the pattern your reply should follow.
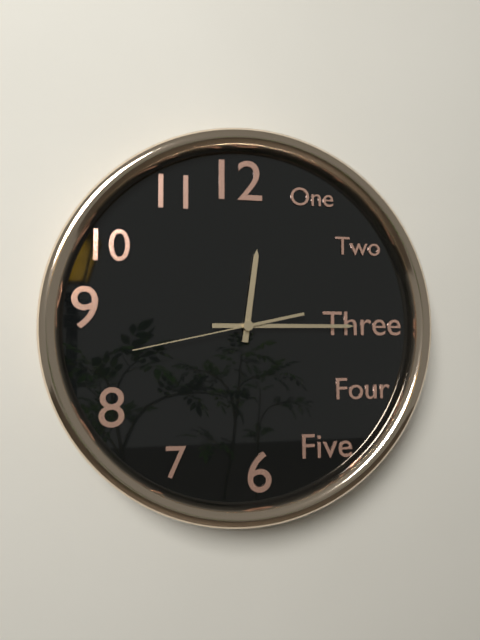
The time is 12:15:43
